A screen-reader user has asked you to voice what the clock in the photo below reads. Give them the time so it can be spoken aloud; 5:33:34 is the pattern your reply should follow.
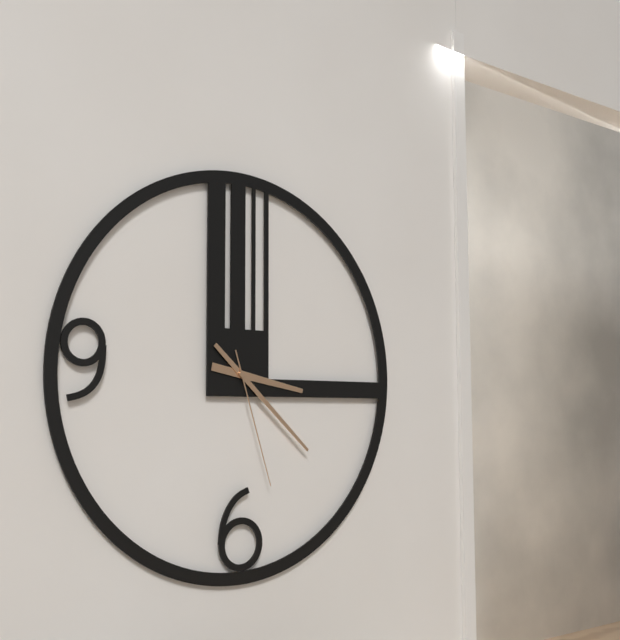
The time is 3:22:27
